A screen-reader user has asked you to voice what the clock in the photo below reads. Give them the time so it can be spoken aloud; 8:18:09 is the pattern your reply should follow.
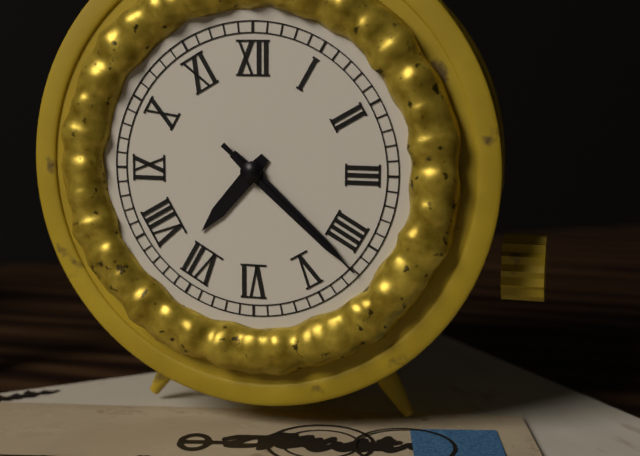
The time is 7:22:22
